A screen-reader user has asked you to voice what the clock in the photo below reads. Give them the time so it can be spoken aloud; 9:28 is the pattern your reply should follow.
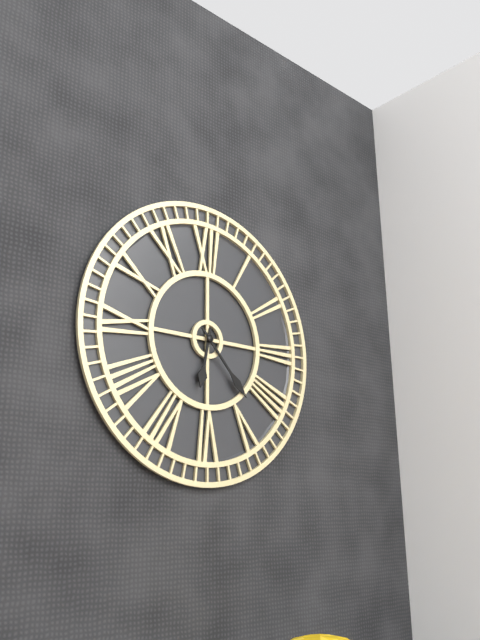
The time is 6:23
